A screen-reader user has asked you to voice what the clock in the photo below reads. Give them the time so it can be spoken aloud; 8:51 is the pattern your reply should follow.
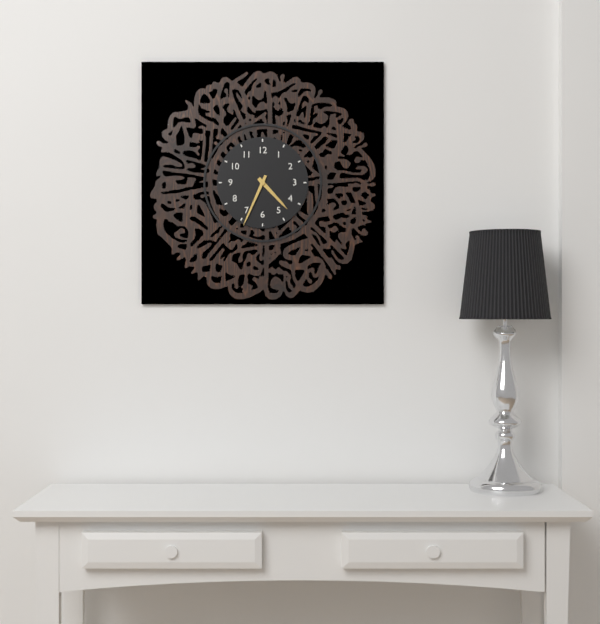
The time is 4:34
